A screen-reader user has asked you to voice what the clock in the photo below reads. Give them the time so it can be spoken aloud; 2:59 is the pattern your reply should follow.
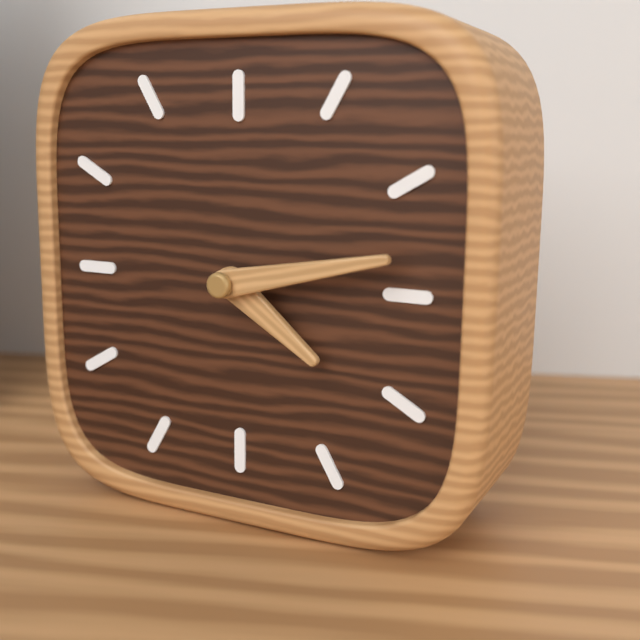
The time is 4:13
